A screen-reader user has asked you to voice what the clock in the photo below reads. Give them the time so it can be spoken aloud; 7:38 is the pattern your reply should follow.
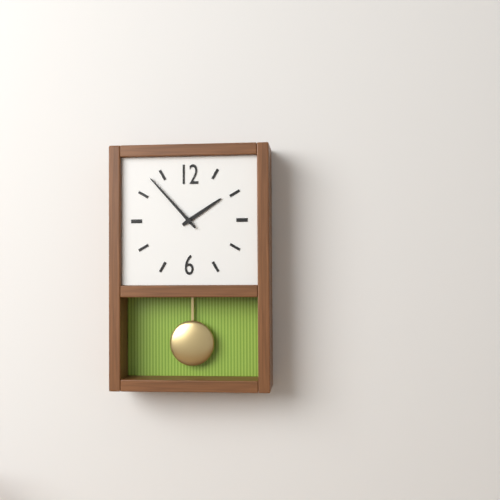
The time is 1:53
